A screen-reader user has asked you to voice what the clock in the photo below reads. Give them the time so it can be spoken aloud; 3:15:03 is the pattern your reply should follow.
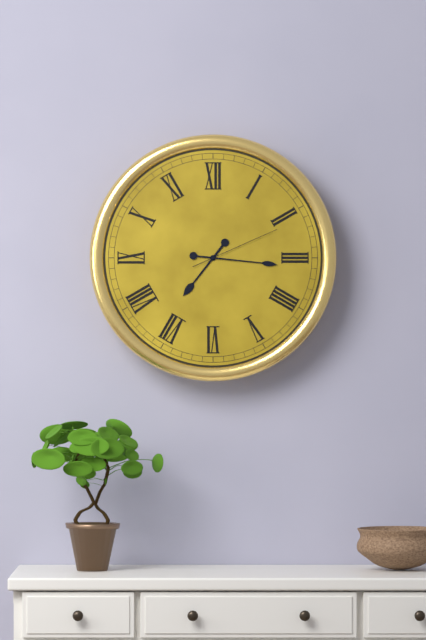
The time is 7:16:11
